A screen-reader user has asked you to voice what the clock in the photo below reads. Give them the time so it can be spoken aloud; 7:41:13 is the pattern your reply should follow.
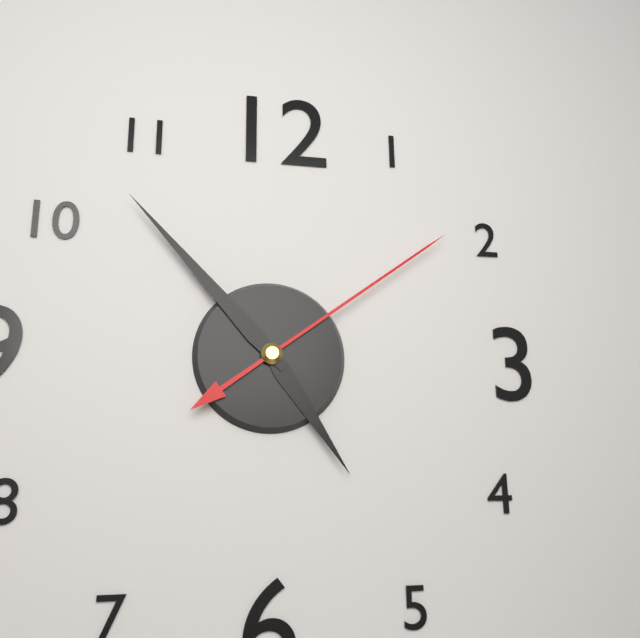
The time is 4:53:09
